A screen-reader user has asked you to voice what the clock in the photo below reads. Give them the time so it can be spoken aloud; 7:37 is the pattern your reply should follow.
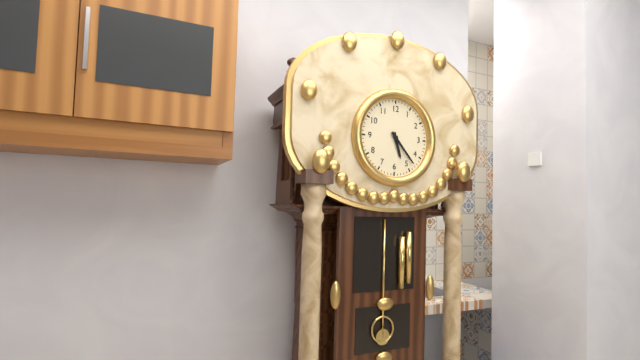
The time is 5:23
